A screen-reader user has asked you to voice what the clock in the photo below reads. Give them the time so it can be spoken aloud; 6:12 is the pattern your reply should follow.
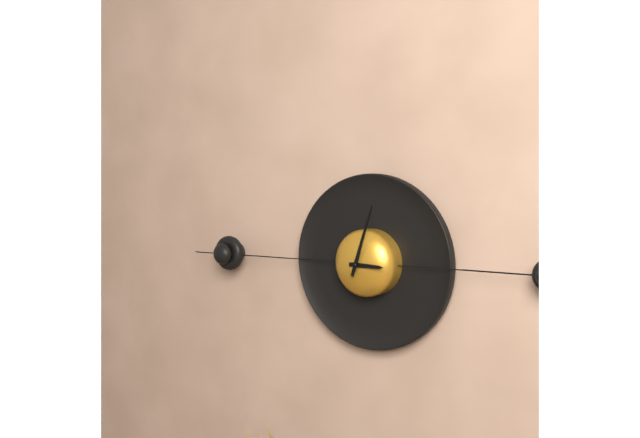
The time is 3:03
